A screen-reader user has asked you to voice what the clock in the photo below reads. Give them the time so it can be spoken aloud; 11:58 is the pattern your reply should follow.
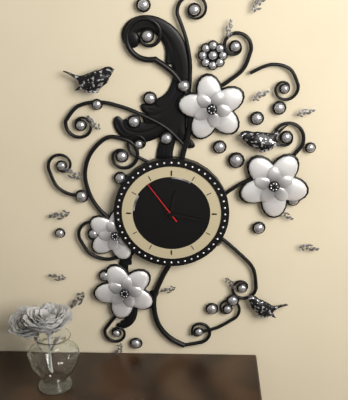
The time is 12:17
